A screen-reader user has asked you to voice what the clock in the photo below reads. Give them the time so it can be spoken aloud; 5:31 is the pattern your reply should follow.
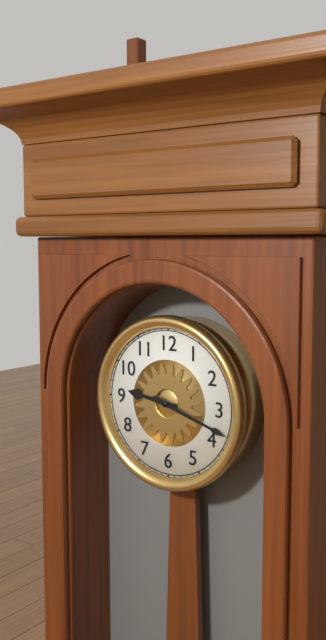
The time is 9:18
